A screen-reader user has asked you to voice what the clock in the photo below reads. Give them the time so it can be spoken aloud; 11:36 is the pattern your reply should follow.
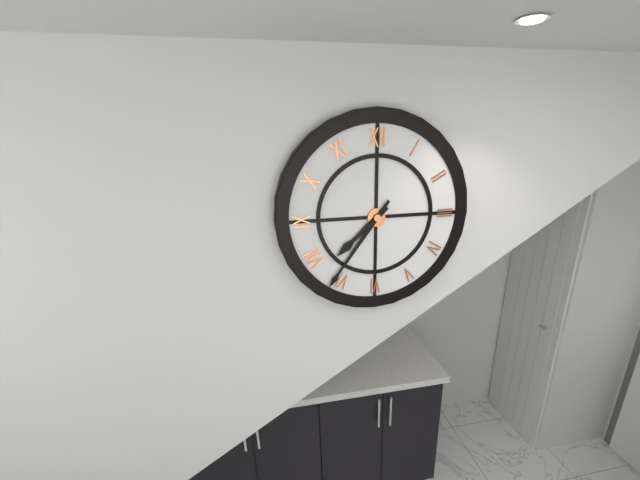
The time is 7:36
